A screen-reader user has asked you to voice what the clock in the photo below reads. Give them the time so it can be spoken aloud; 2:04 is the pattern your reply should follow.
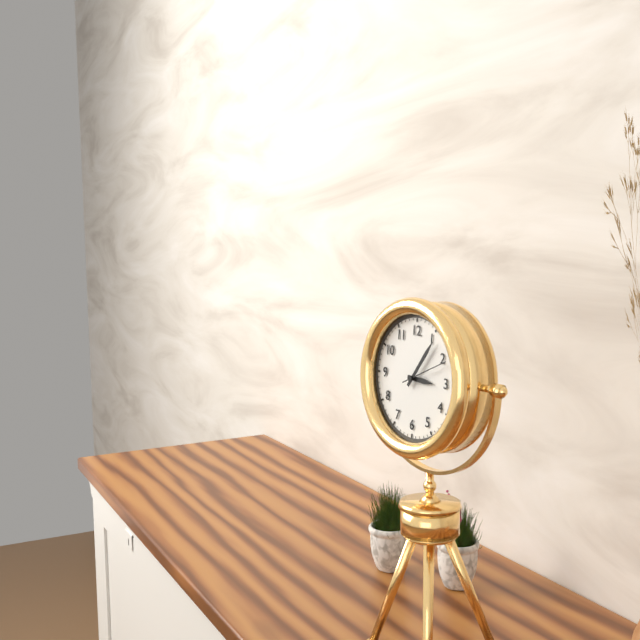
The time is 3:06
